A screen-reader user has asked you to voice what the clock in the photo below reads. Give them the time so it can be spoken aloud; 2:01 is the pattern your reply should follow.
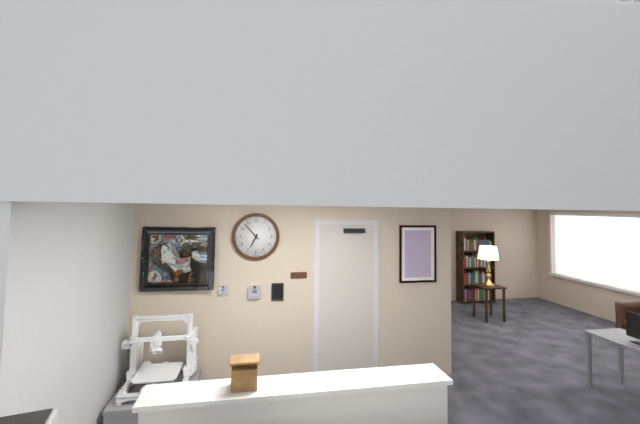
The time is 6:53
